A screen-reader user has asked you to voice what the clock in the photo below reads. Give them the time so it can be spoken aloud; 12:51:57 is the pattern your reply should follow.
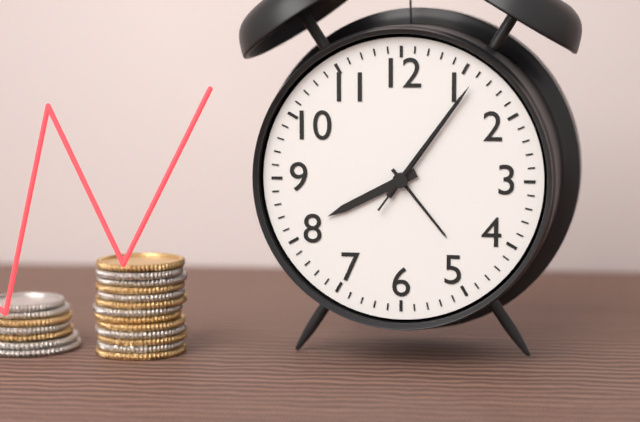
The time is 8:06:06
